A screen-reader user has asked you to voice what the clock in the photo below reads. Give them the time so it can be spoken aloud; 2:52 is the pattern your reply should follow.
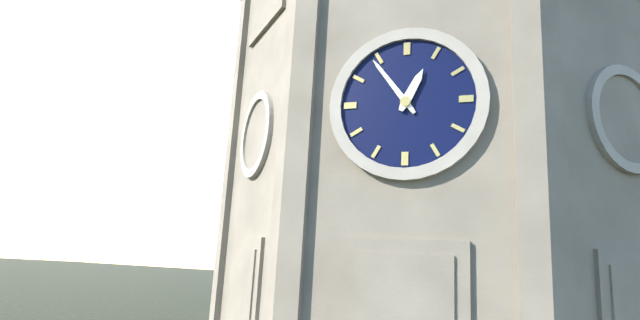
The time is 12:54
